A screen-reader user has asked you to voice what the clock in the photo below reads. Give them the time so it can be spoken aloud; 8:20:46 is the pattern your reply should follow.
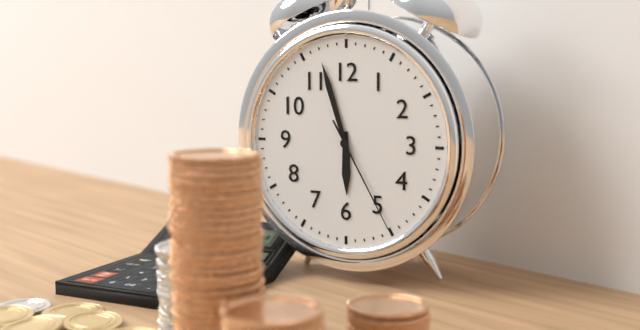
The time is 5:57:25
